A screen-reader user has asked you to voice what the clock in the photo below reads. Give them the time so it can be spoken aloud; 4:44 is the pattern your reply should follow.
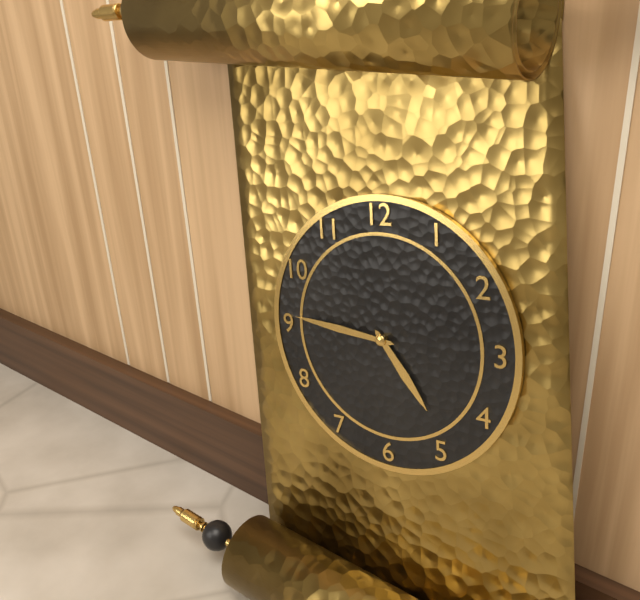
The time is 4:46
